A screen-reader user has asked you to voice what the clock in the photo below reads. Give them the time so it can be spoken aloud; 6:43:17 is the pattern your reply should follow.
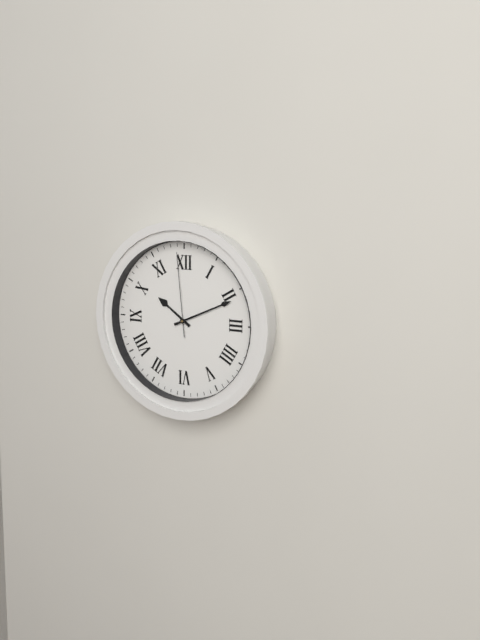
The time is 10:11:59
